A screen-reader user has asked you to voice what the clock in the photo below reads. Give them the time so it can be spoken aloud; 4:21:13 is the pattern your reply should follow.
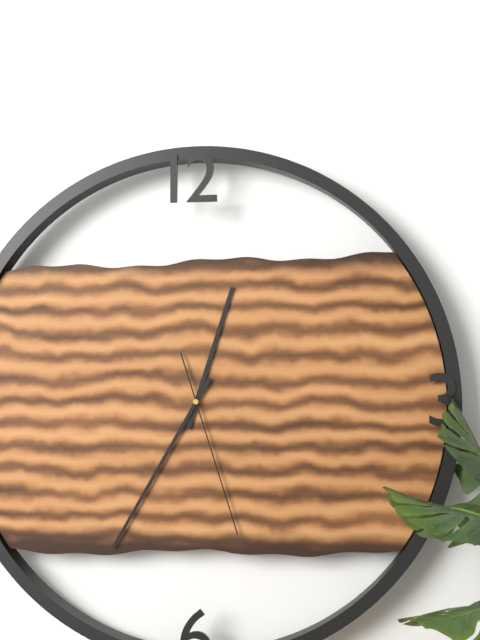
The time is 12:35:27
